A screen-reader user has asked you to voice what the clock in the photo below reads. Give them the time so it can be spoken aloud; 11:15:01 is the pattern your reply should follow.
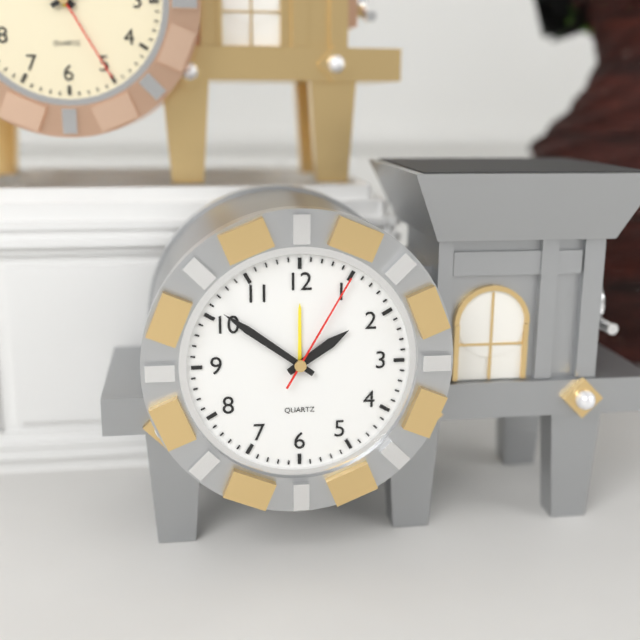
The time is 1:51:05
